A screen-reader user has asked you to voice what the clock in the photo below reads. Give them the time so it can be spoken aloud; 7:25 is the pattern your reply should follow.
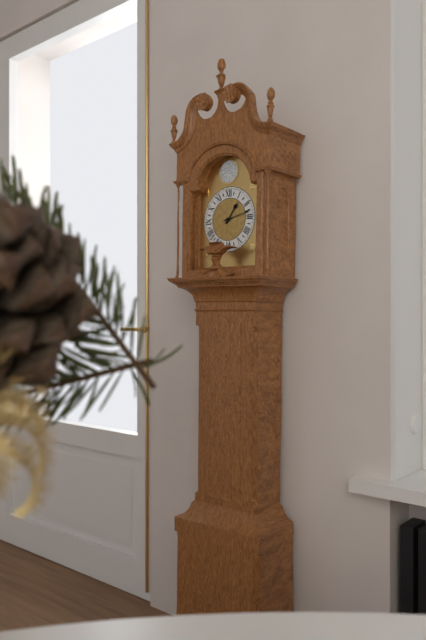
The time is 1:13
